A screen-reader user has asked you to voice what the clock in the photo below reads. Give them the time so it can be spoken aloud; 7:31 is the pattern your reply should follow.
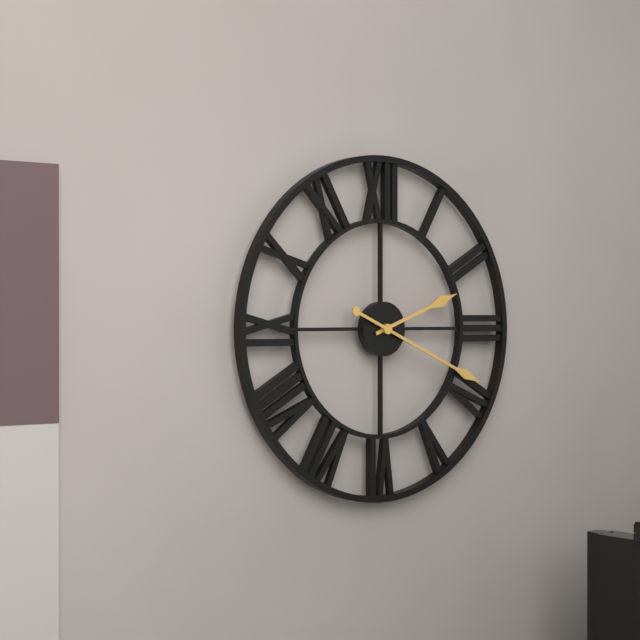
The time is 2:19
